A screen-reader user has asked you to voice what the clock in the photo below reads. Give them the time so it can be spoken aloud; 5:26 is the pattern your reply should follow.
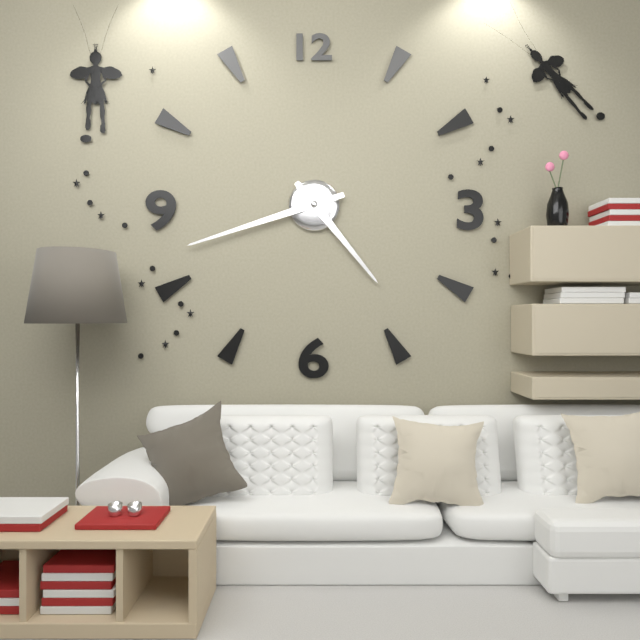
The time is 4:42
